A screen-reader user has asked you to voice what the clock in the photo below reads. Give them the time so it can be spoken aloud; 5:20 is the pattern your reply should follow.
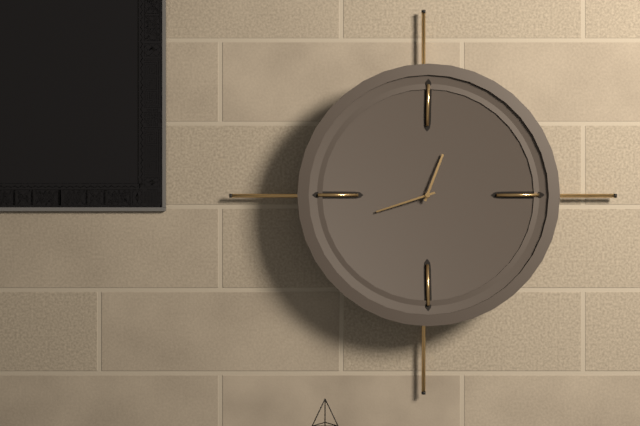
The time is 12:42
